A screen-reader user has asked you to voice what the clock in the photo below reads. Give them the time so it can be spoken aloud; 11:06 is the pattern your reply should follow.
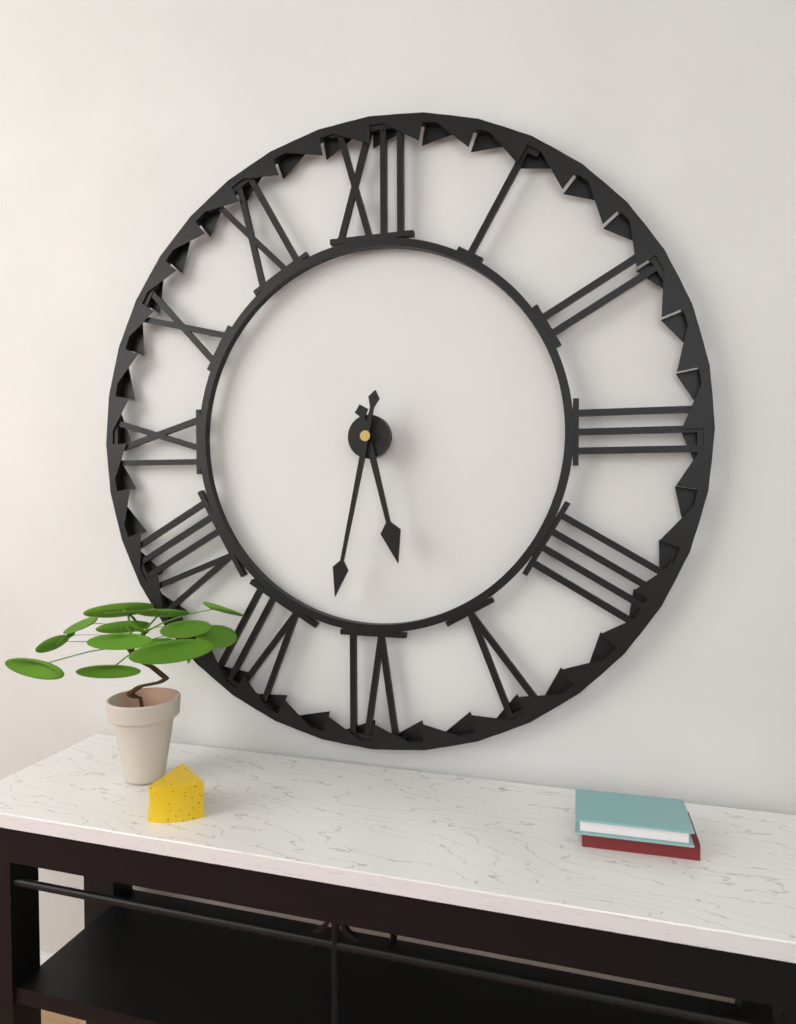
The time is 5:32
